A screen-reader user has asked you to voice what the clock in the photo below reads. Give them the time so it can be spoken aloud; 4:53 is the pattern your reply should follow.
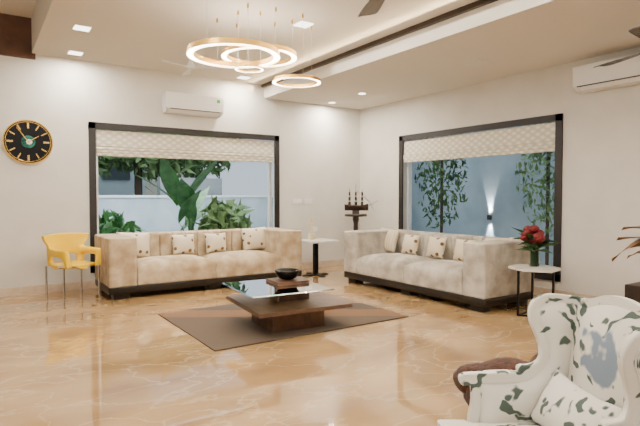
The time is 1:54
